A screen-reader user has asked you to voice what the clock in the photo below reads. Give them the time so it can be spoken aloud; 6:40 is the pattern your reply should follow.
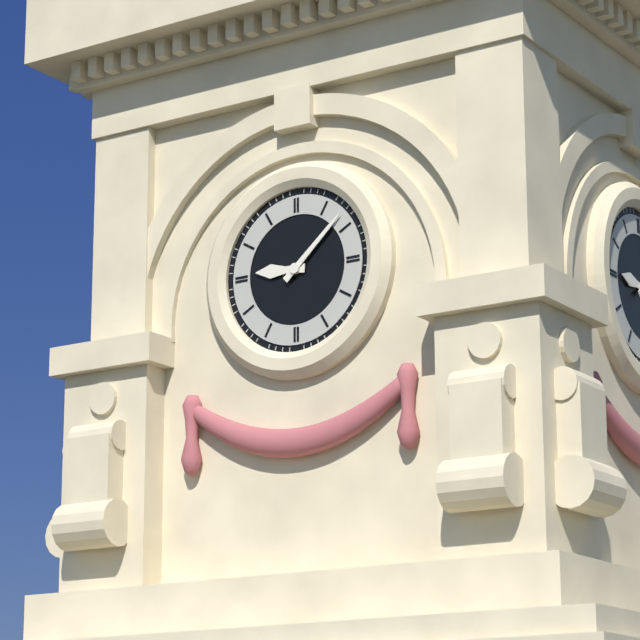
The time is 9:08
